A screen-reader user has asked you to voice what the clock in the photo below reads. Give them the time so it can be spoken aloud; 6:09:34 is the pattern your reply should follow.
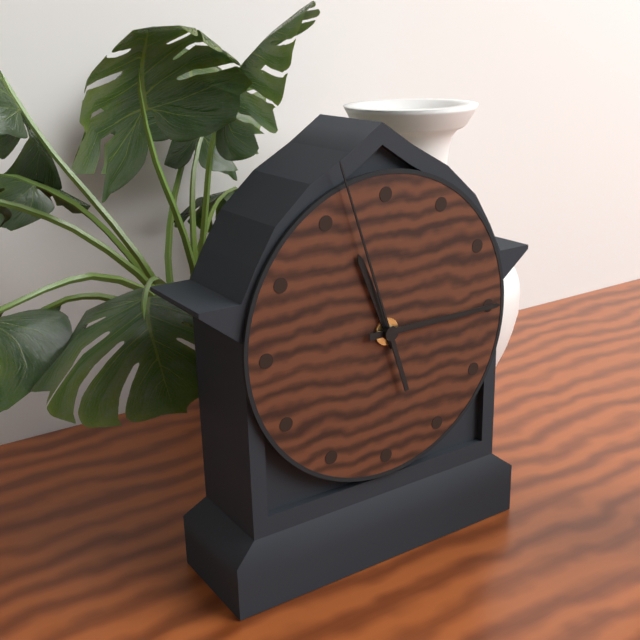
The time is 11:15:57
